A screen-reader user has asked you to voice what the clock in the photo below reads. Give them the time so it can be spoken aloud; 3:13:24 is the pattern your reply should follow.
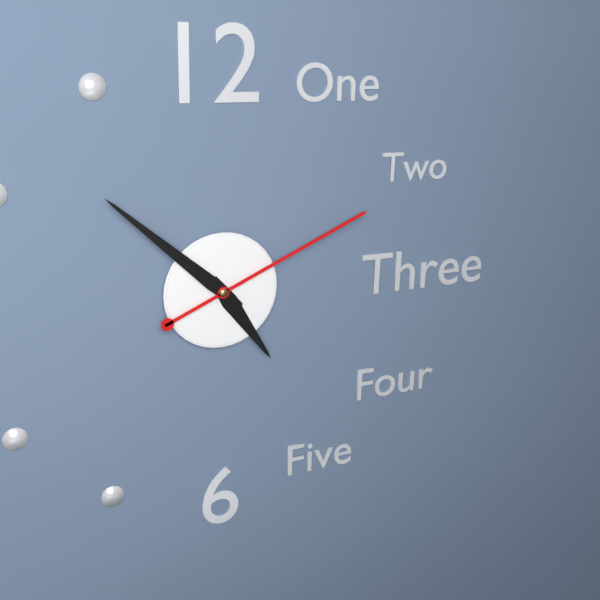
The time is 4:52:11
